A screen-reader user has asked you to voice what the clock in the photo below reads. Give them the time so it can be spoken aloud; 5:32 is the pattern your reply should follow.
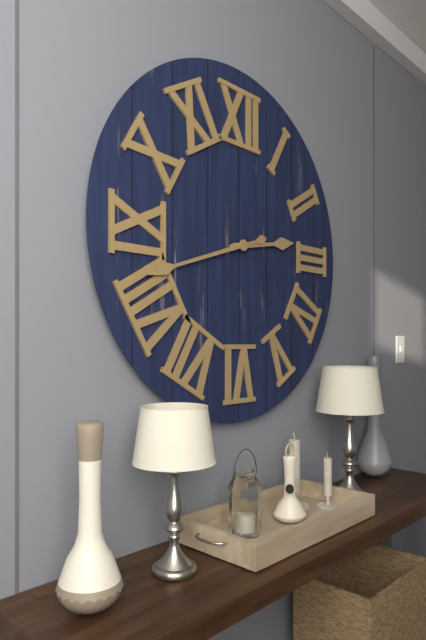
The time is 2:42
